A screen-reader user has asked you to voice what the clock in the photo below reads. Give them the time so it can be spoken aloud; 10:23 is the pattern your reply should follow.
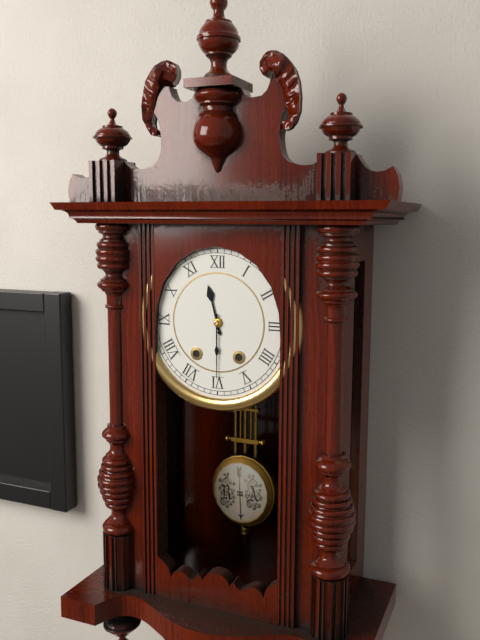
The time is 11:30
